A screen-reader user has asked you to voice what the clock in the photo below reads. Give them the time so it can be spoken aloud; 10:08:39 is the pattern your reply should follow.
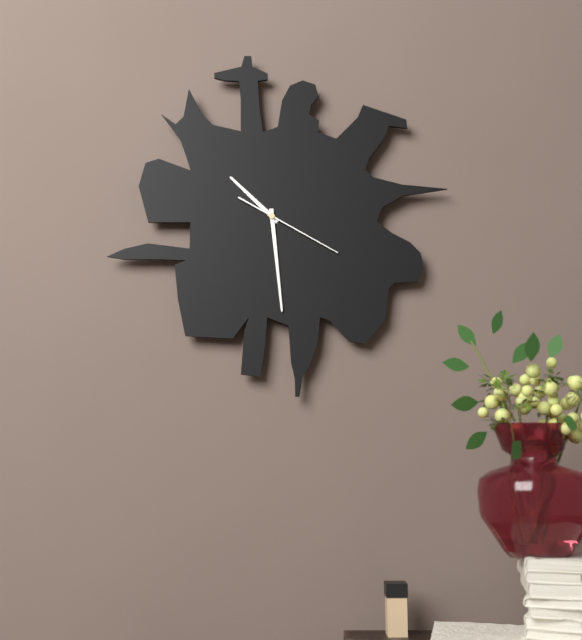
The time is 10:29:20
